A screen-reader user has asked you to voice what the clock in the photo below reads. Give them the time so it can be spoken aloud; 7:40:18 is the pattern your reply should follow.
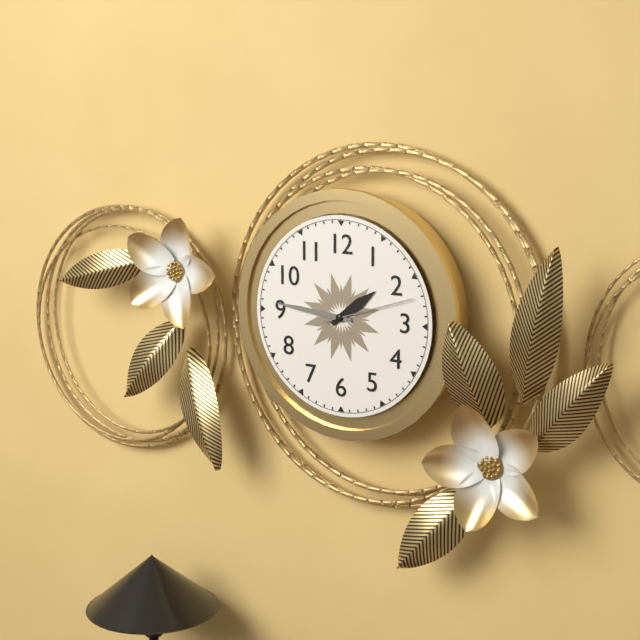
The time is 1:46:12
